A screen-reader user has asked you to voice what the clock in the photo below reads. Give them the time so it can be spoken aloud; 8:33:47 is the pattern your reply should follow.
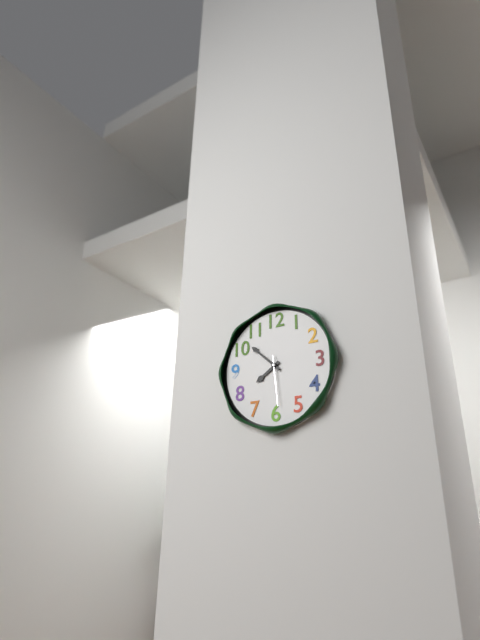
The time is 7:52:29
